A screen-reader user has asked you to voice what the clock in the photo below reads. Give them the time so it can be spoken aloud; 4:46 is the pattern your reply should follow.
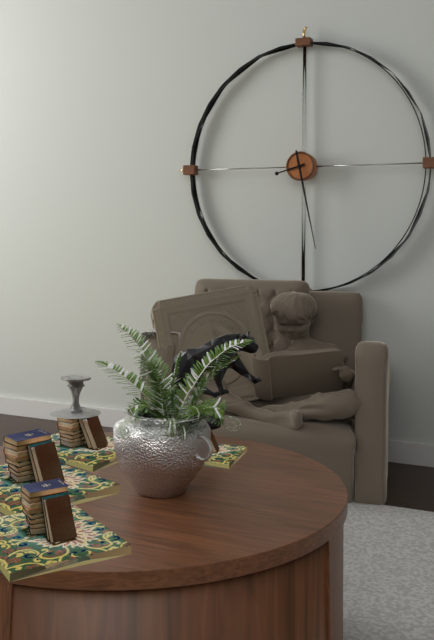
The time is 8:28
